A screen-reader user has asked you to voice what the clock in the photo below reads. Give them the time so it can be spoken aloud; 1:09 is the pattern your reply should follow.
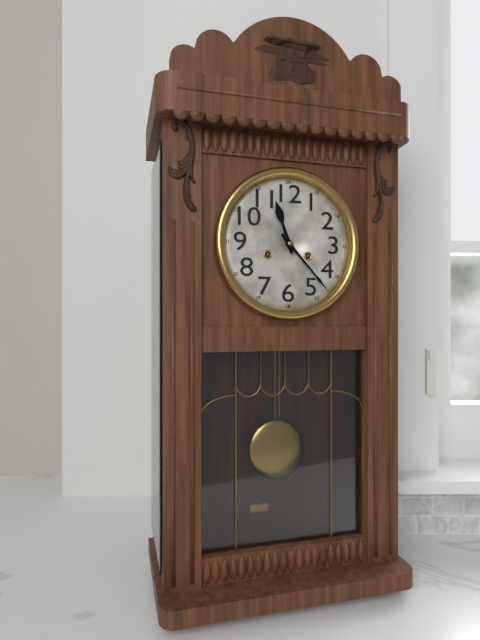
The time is 11:23
